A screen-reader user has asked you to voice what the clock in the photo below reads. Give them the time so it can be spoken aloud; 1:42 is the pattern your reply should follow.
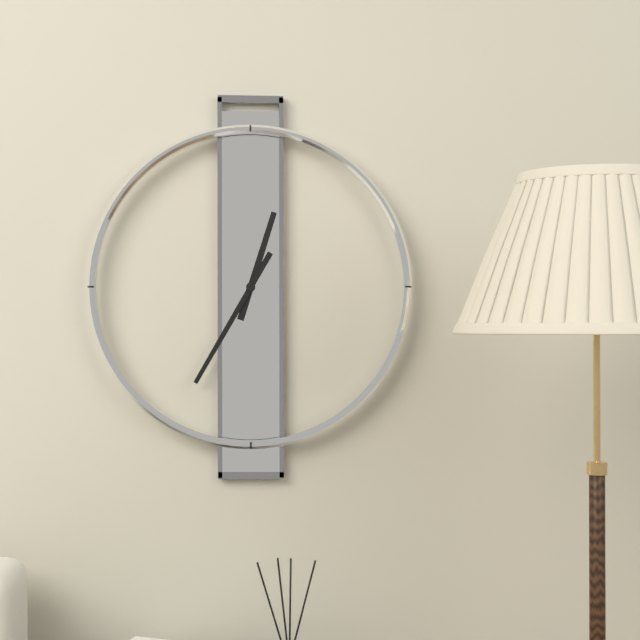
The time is 12:35
